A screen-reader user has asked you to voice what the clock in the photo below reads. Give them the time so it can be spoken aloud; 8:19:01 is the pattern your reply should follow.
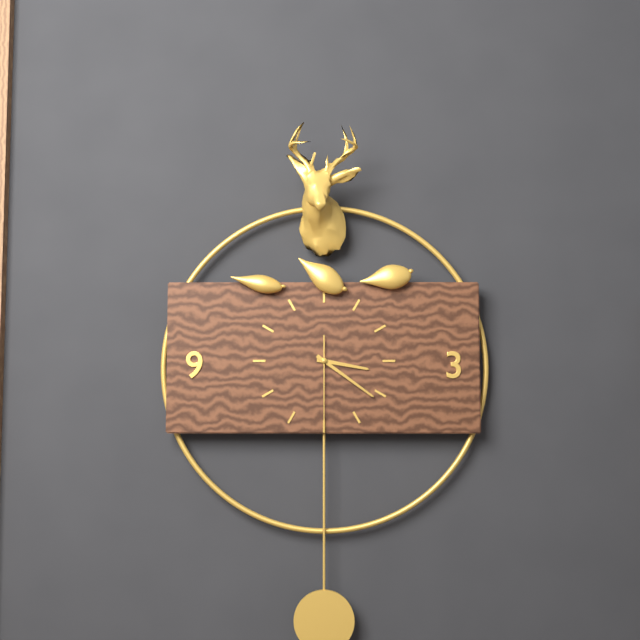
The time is 3:21:30
